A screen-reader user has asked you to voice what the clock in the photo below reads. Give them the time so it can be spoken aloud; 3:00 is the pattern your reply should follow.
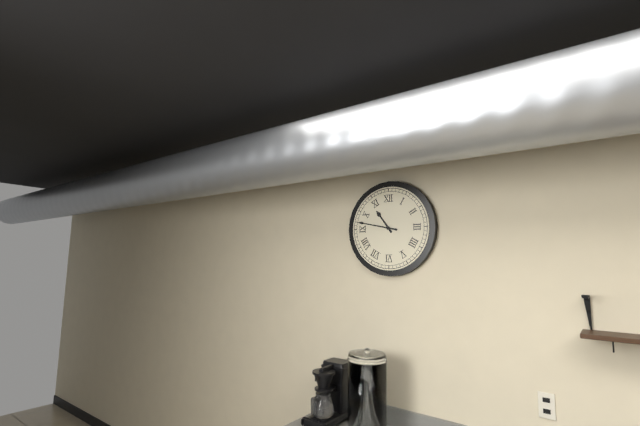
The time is 10:47
